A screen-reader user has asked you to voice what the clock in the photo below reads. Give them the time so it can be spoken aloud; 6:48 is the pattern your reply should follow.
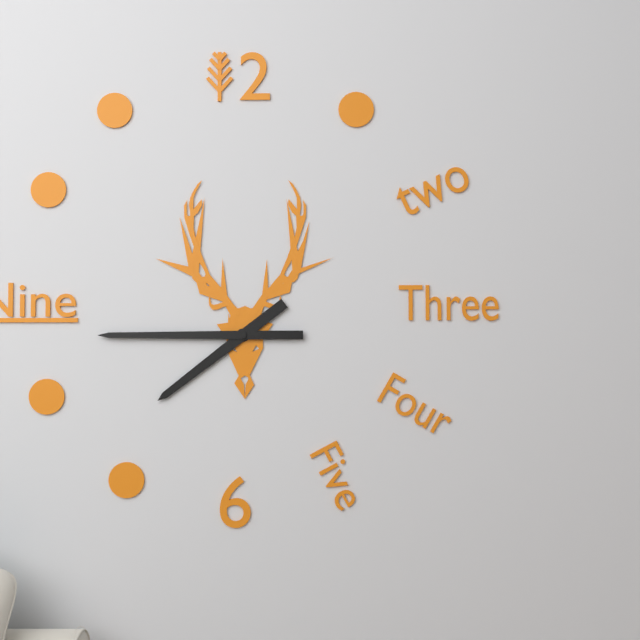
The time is 7:45
